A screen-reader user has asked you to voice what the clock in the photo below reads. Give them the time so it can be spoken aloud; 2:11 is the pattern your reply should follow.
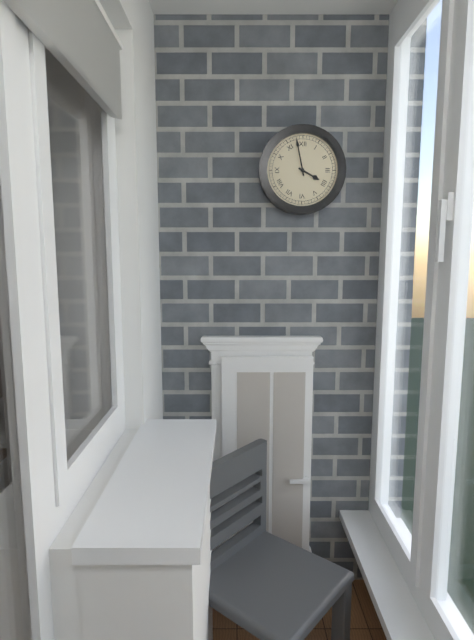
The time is 3:58
